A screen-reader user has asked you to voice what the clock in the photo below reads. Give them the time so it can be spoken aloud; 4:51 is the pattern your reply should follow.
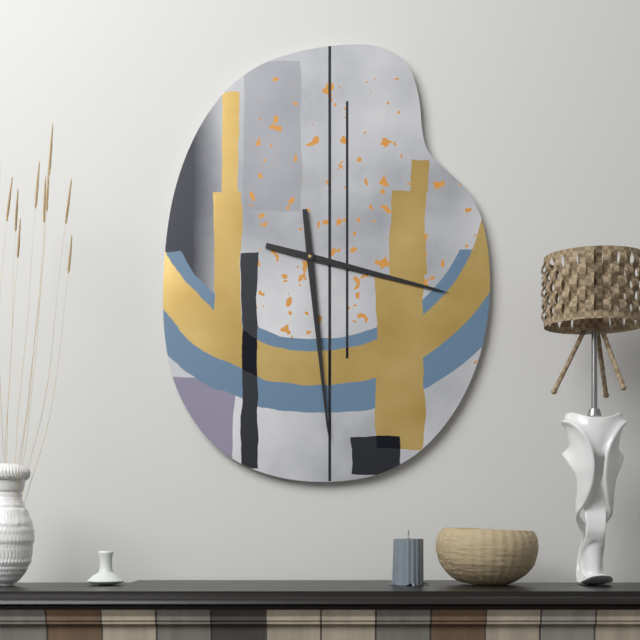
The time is 3:29
